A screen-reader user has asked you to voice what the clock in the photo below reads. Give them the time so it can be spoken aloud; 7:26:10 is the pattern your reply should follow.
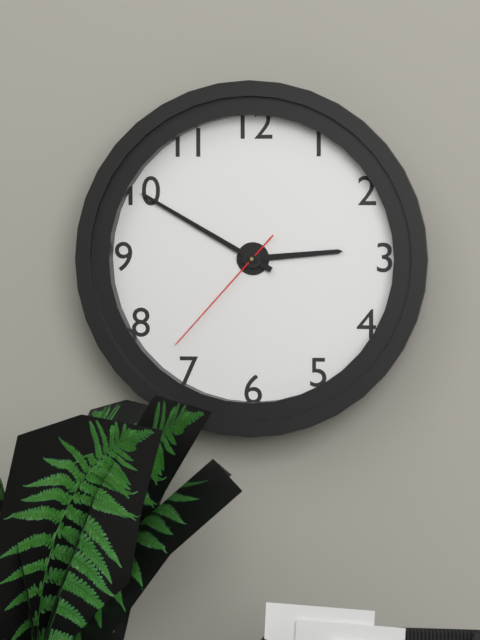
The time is 2:50:37
